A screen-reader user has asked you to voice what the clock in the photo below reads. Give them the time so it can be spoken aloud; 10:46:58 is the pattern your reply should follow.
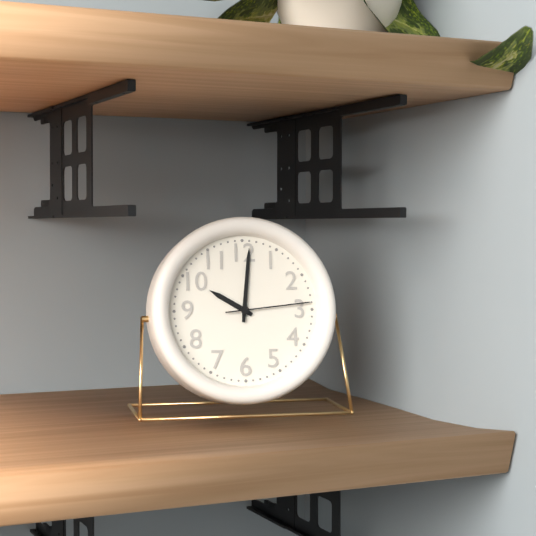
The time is 10:01:14
